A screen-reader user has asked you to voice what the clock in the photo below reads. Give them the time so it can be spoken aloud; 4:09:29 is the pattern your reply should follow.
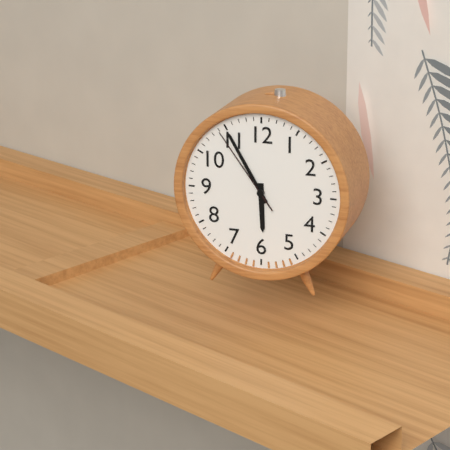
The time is 5:55:54
